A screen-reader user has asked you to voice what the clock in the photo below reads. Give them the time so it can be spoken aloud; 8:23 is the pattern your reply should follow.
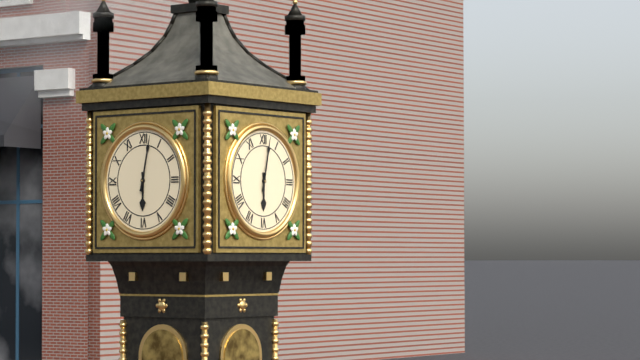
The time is 6:02
